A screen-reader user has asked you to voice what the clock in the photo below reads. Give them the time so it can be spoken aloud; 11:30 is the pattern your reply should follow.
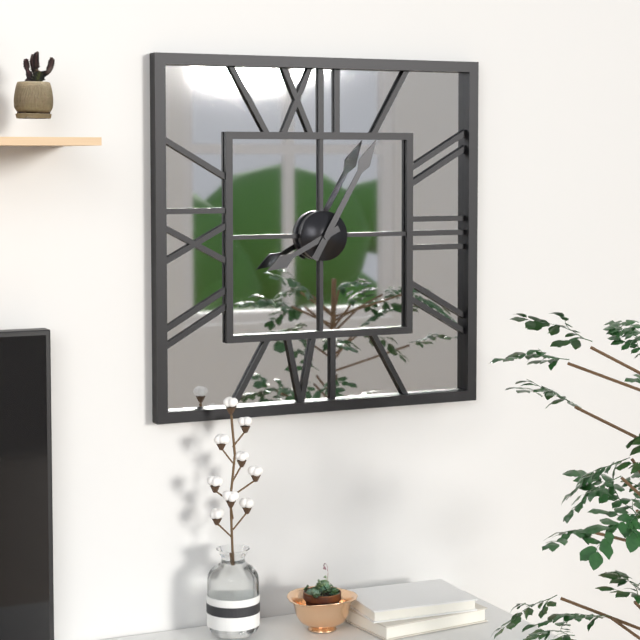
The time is 8:05
